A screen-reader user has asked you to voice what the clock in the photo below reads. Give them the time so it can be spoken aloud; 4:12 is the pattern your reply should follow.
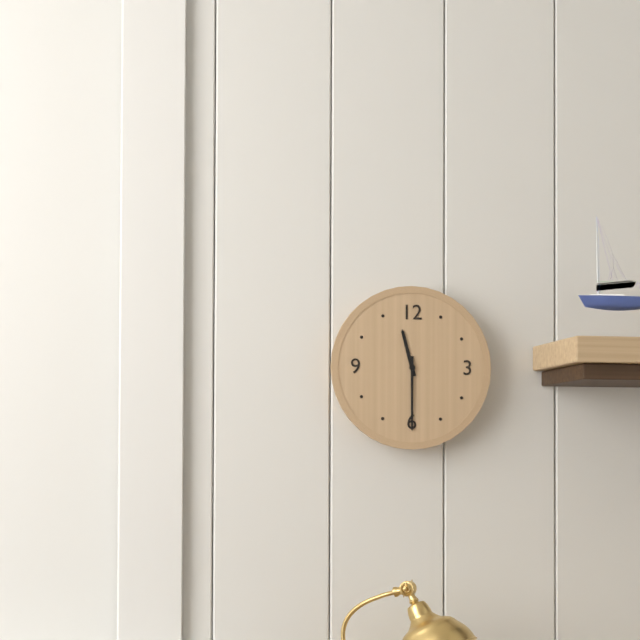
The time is 11:30
